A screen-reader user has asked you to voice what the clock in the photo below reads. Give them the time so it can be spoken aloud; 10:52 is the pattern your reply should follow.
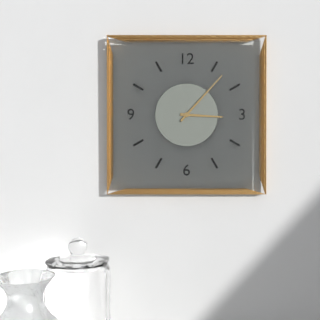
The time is 3:07
